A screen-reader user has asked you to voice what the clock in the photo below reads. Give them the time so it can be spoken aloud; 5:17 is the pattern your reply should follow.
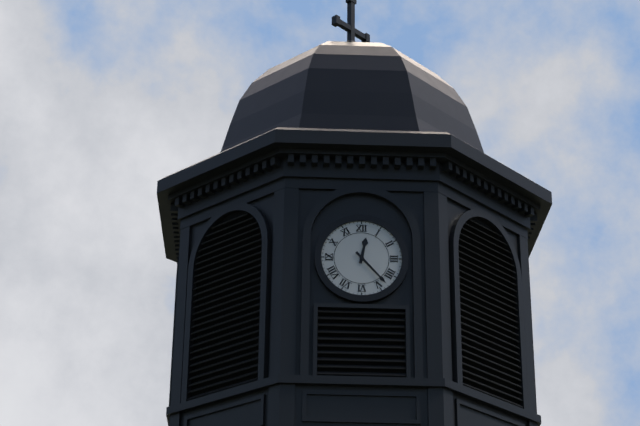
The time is 12:23
